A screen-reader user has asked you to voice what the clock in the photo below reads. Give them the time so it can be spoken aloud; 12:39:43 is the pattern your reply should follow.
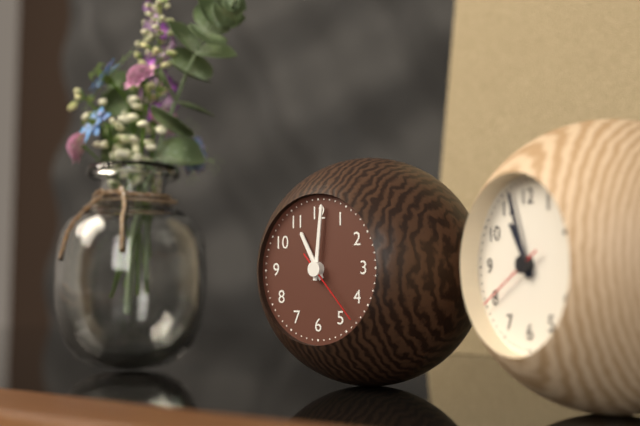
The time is 11:01:23
